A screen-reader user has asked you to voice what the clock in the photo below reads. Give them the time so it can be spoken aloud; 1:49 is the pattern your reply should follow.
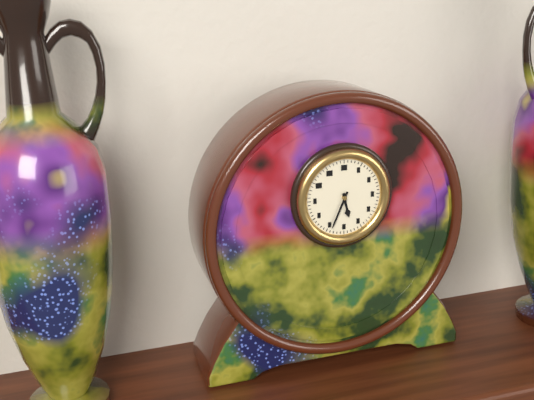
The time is 5:34
